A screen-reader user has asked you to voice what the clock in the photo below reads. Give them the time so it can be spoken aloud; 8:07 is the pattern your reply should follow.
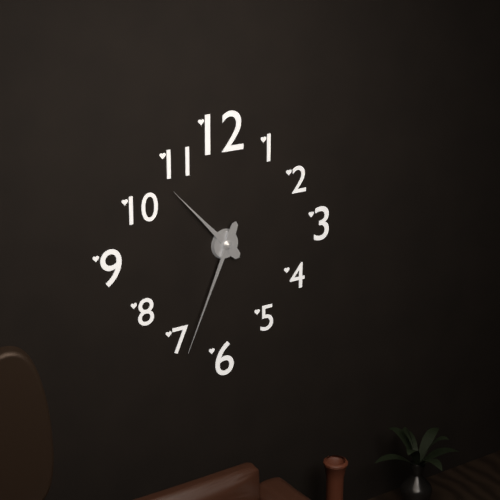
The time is 10:34
